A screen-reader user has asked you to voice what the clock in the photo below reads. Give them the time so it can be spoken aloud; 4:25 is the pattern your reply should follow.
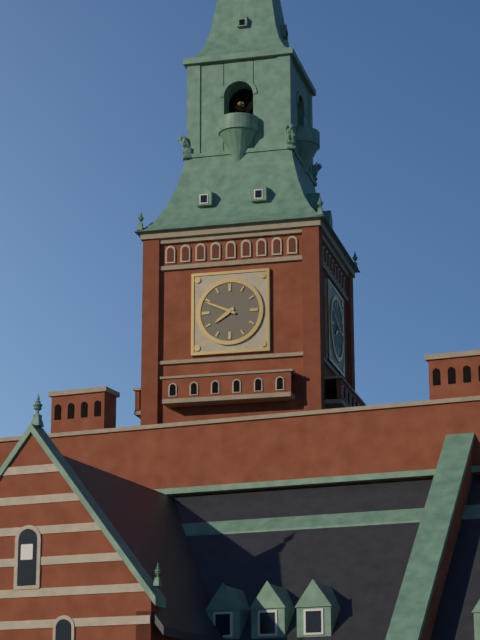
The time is 7:49
